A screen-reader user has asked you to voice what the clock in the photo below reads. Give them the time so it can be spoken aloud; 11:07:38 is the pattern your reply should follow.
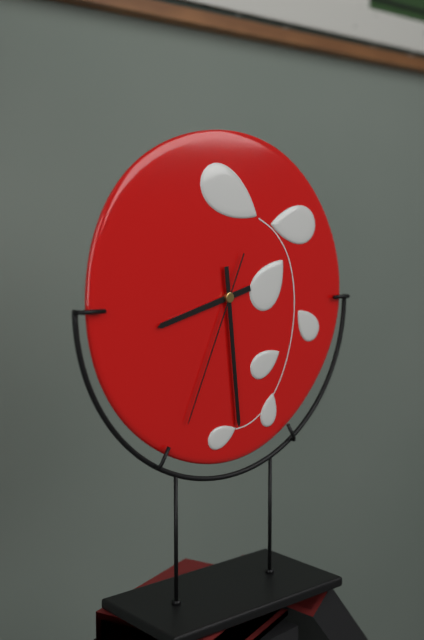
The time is 8:29:34
